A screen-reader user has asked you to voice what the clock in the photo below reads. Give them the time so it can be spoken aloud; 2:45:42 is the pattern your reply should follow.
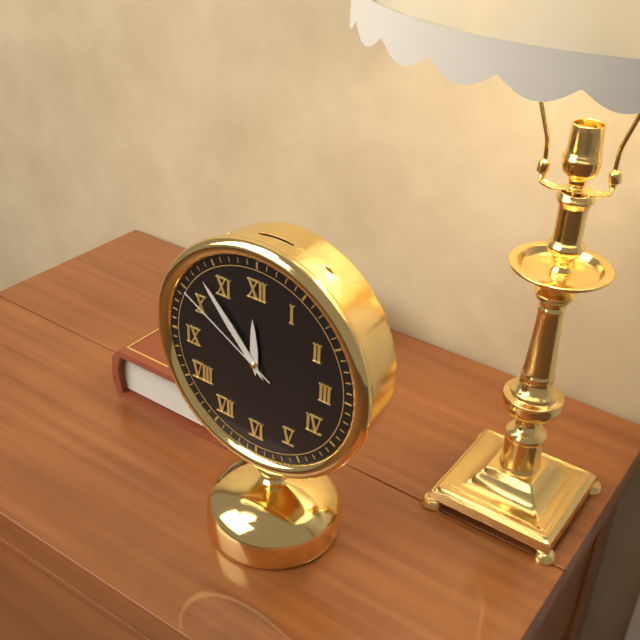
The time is 11:53:50
